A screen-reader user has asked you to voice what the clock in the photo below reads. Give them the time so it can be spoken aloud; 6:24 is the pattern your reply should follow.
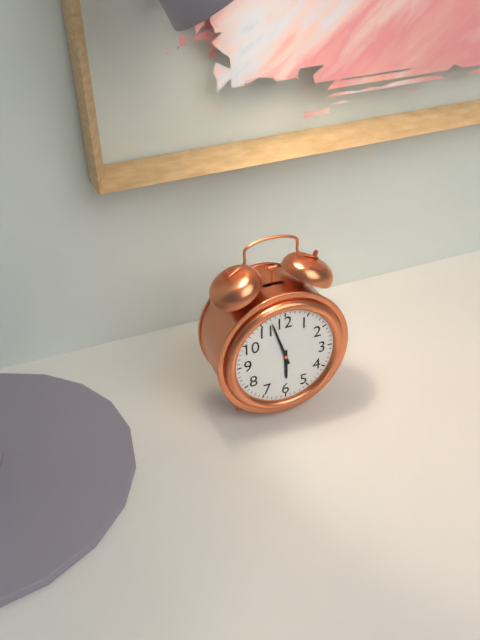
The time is 5:57
